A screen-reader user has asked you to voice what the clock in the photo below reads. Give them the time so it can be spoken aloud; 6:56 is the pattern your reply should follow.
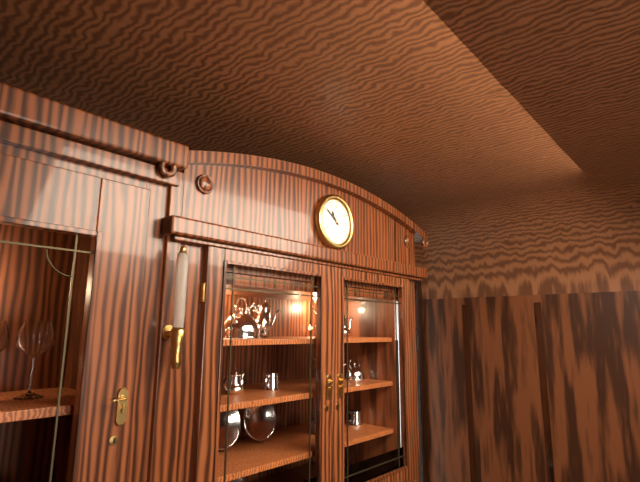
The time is 10:51
